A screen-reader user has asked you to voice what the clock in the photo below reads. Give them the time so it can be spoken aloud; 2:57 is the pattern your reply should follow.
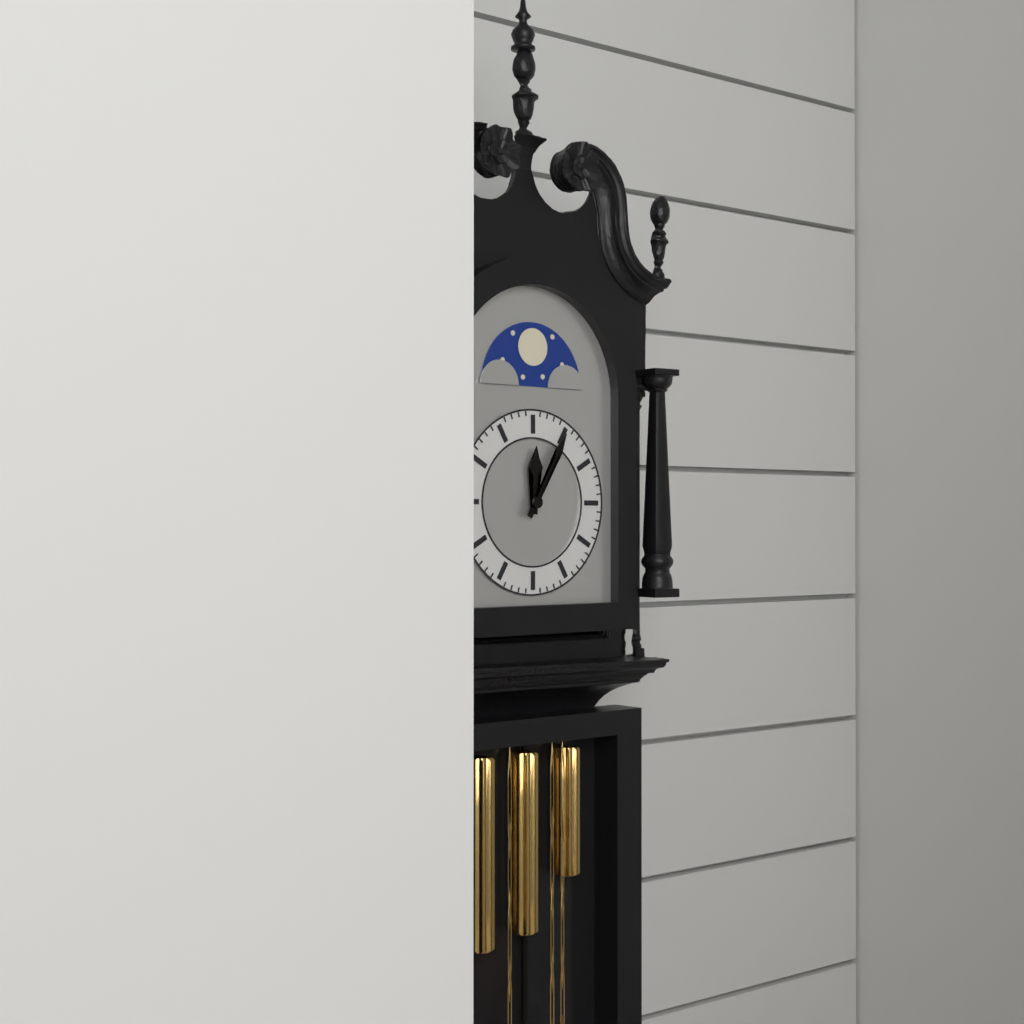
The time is 12:05
